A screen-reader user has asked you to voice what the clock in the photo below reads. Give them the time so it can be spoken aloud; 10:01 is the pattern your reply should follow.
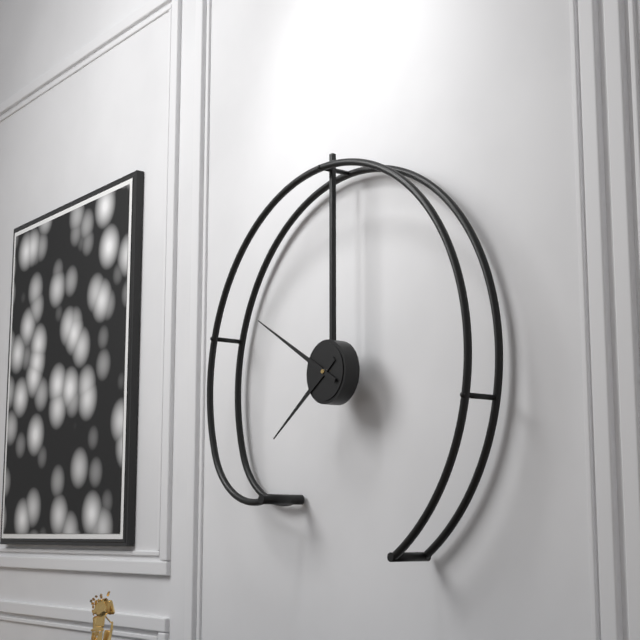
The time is 7:50
